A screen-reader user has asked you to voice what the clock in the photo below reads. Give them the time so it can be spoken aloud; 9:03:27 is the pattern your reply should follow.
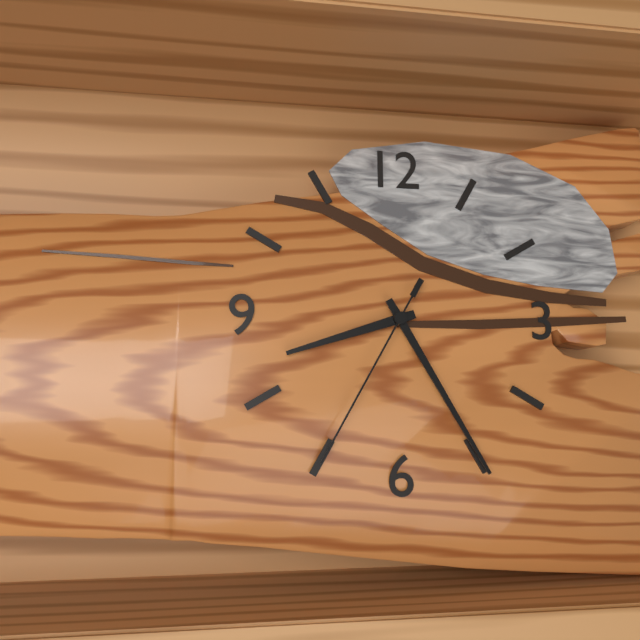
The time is 8:25:35
